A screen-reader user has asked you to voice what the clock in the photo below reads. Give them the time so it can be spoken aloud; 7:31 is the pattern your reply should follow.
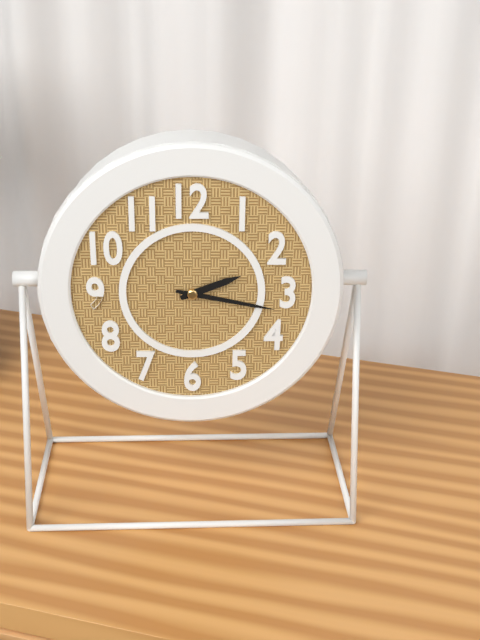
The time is 2:17
